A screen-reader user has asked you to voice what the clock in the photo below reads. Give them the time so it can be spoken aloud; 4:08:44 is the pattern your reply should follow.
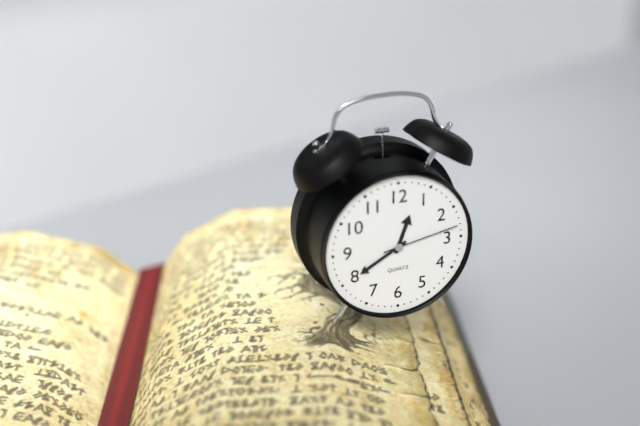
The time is 12:40:13
